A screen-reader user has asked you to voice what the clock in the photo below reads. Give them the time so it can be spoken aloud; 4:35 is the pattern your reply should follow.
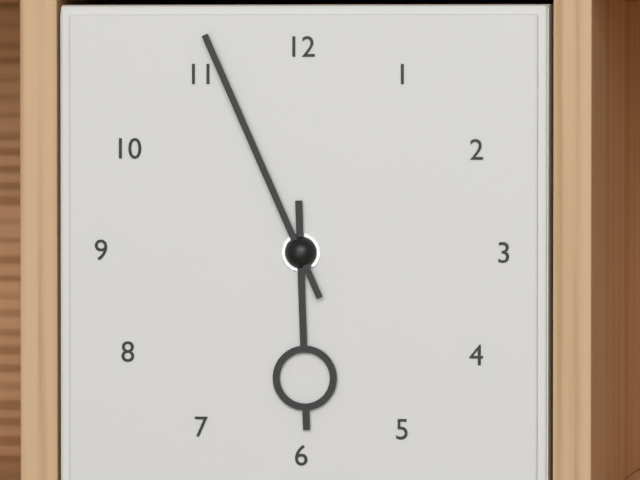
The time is 5:56
